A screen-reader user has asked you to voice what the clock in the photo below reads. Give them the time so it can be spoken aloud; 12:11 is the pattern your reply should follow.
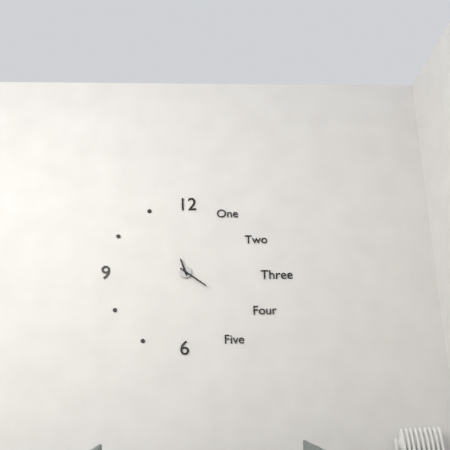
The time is 11:21
